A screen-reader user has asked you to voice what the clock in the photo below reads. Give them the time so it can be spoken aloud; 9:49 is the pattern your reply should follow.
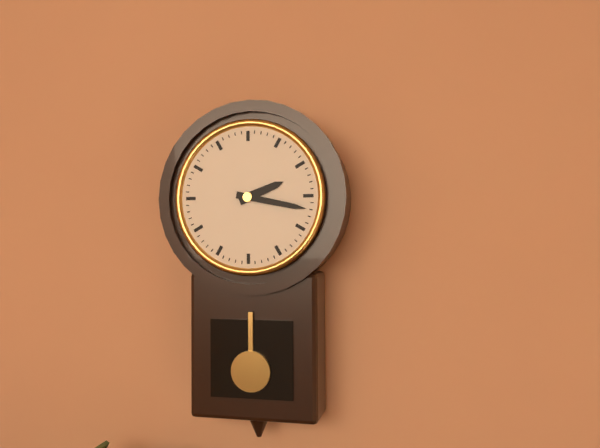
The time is 2:17
